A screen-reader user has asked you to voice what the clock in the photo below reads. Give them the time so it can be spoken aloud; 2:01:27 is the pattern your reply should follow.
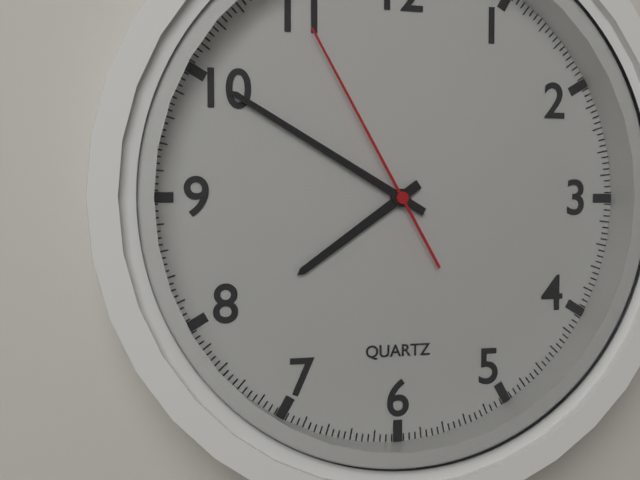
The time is 7:50:55
